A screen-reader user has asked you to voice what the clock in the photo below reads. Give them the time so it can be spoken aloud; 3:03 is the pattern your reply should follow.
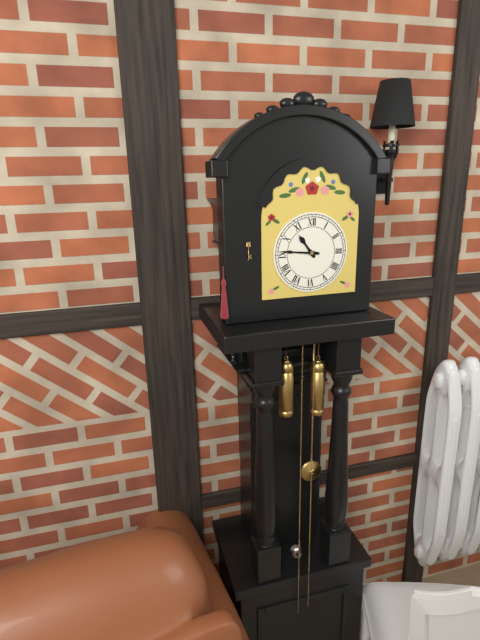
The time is 10:46
